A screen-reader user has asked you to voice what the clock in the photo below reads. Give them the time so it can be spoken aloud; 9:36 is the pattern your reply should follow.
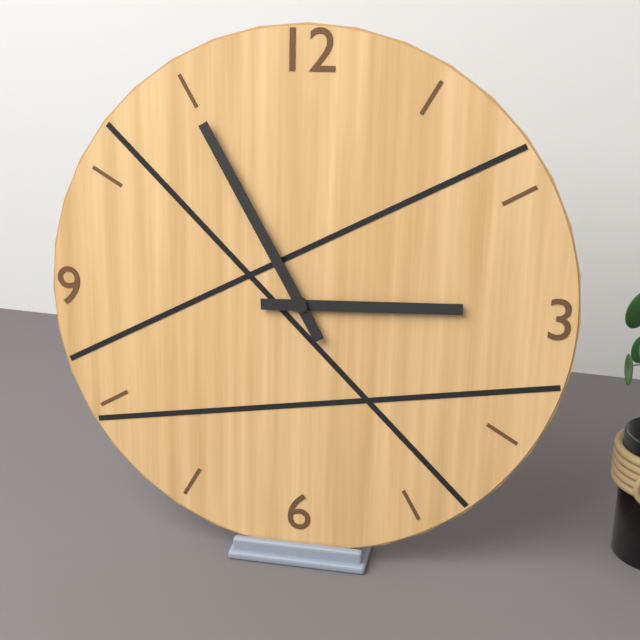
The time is 2:55
